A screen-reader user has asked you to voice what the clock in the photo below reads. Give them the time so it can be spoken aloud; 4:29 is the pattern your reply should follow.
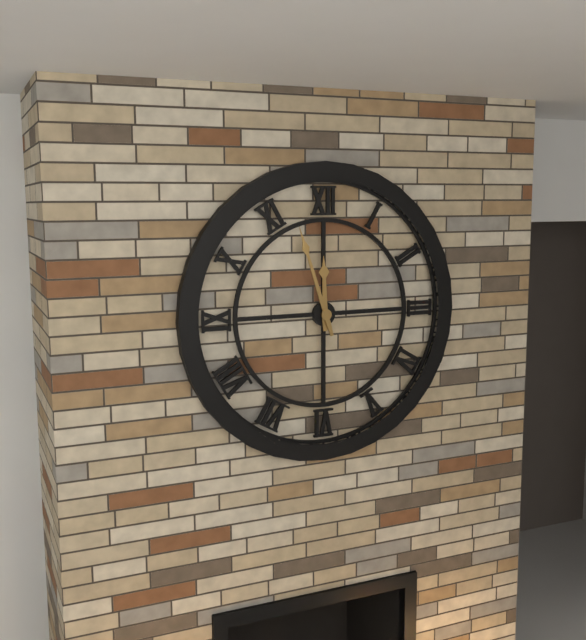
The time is 11:57
